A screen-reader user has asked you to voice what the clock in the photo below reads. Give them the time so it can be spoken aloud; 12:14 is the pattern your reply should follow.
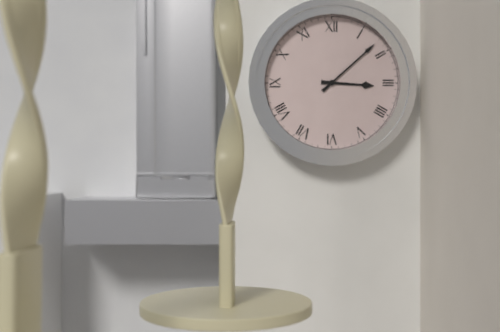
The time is 3:08
